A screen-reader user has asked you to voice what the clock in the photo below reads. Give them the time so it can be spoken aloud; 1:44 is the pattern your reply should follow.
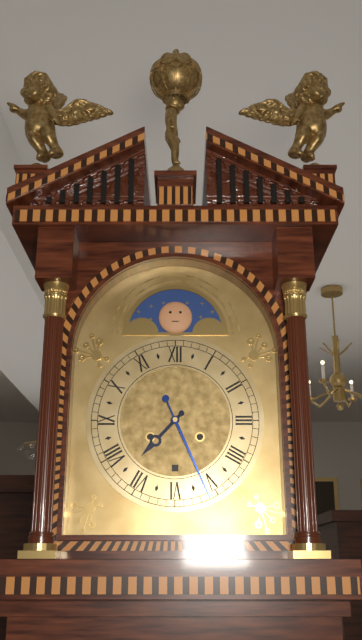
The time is 7:26
